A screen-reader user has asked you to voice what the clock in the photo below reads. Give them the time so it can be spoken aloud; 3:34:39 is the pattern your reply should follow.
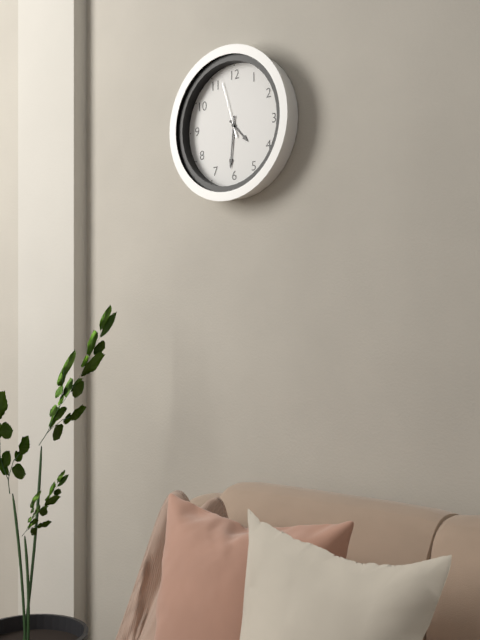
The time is 4:31:57
